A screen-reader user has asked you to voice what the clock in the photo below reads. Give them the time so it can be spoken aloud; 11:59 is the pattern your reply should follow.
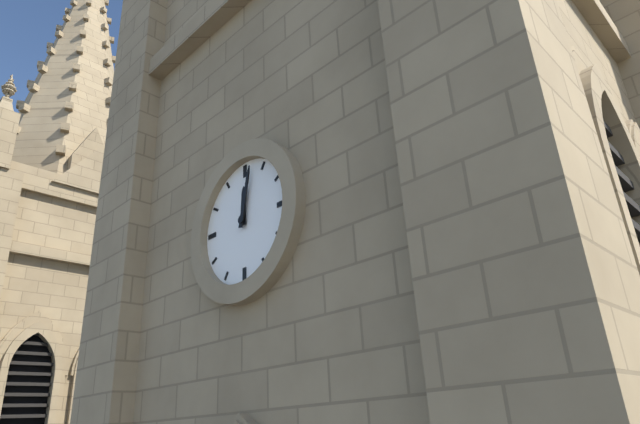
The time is 12:02
